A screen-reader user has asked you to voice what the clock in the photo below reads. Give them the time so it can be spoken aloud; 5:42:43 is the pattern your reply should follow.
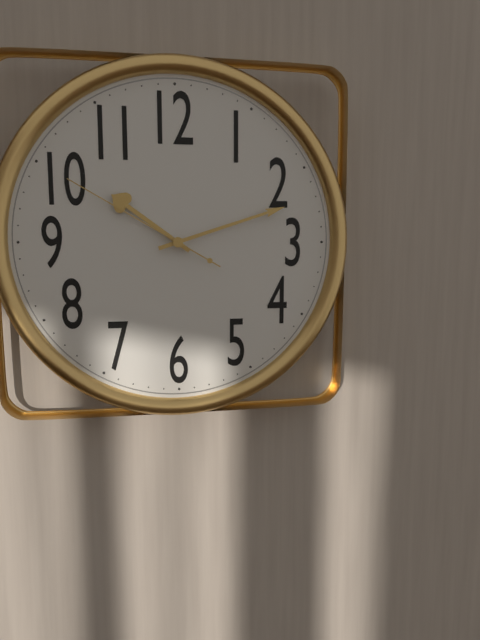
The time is 10:12:50
